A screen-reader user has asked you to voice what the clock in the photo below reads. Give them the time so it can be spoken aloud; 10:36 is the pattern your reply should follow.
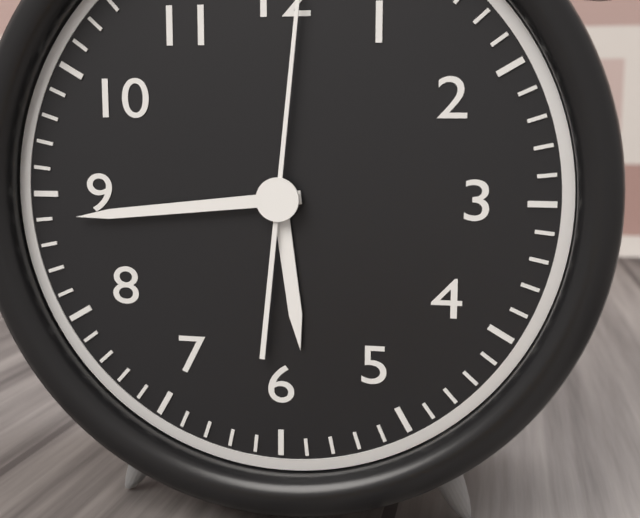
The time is 5:44
